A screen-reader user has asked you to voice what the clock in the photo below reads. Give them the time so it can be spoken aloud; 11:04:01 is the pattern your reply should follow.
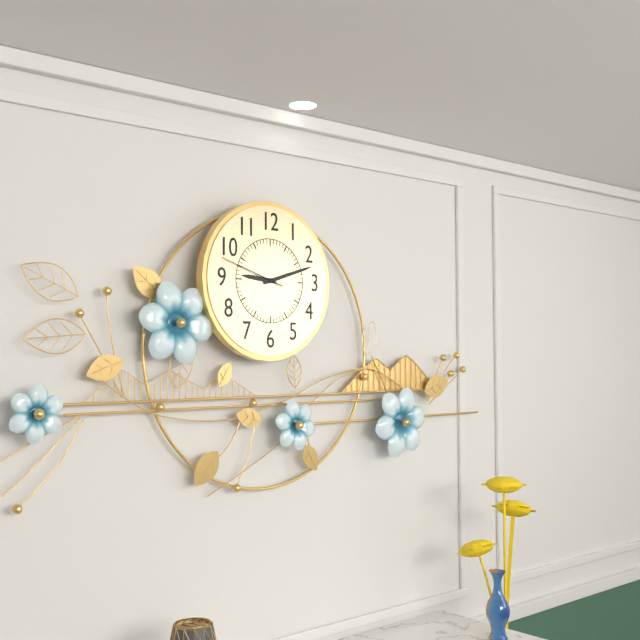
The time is 9:12:48
